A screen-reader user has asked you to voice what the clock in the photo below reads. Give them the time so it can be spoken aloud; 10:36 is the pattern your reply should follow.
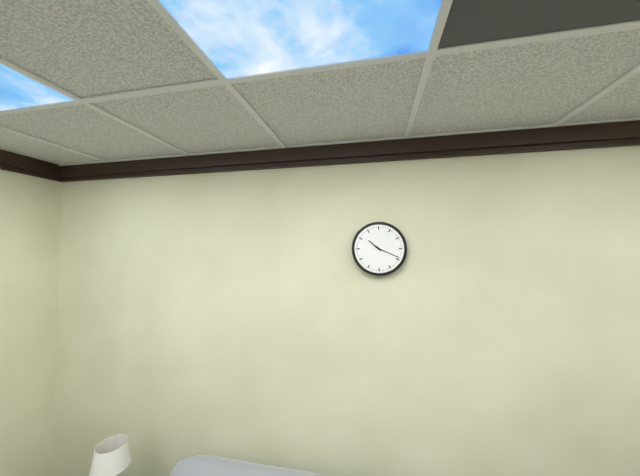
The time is 10:19
